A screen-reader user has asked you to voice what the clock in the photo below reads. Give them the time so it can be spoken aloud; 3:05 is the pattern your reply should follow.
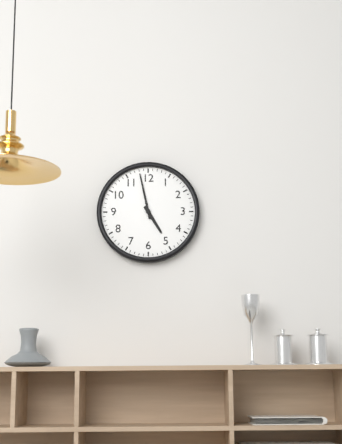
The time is 4:58
